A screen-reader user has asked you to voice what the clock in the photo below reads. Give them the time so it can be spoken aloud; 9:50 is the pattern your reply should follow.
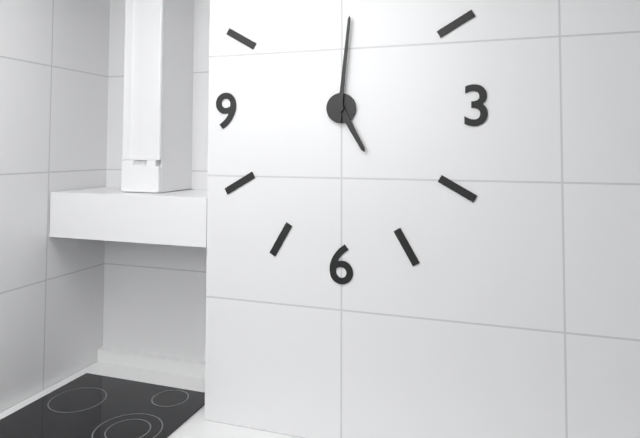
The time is 5:01
